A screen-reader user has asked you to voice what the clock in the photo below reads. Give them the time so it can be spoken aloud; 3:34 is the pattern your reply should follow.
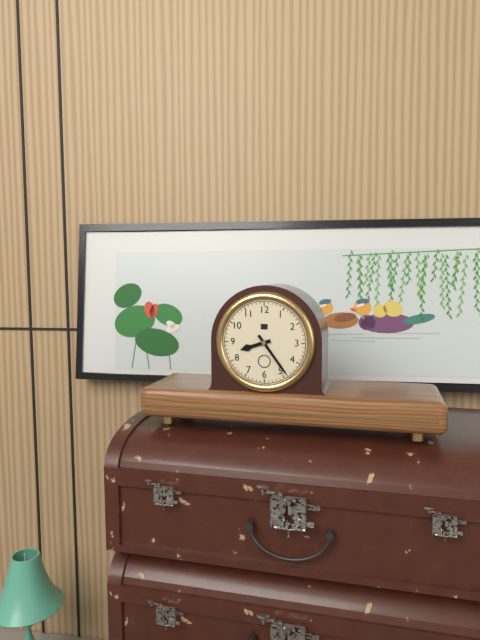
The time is 8:24
